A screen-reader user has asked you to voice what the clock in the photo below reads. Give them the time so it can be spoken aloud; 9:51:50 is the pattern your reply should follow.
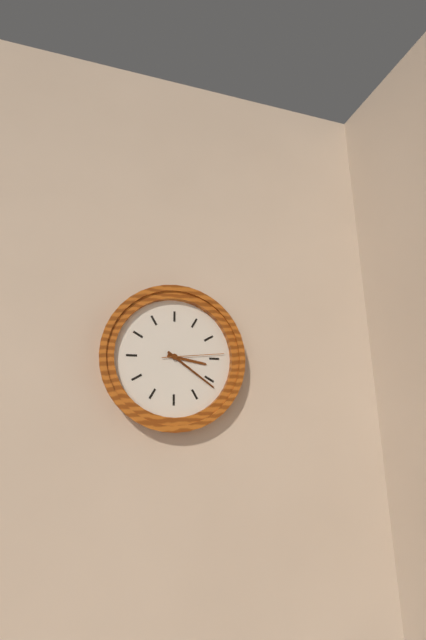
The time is 3:21:14
